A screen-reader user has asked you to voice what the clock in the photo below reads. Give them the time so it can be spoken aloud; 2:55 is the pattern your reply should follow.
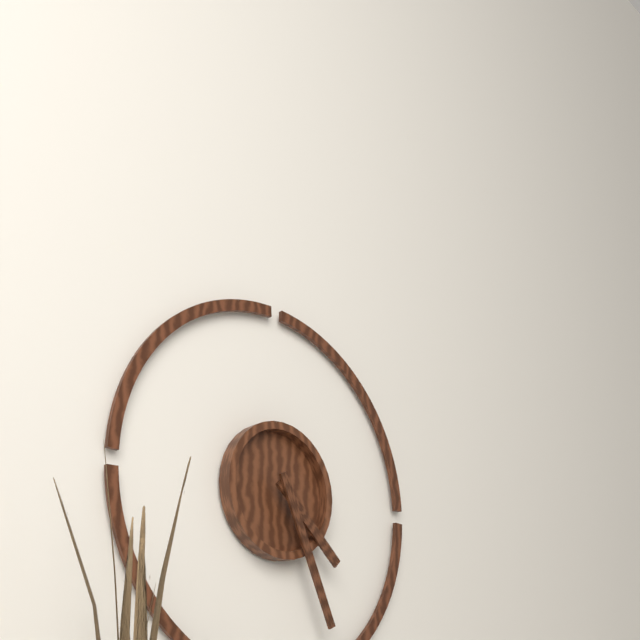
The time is 4:26
